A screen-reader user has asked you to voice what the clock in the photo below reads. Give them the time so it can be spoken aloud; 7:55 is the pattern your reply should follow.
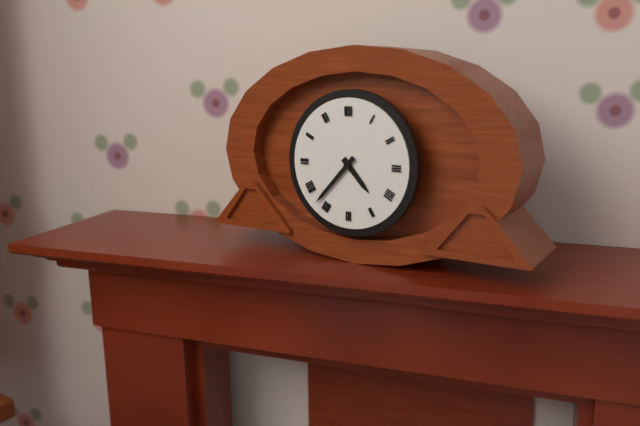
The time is 4:37
